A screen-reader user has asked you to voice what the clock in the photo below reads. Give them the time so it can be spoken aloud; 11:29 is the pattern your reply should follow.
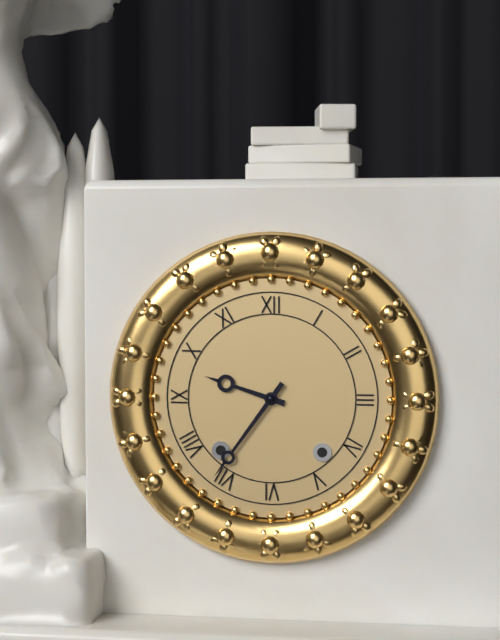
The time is 9:36
